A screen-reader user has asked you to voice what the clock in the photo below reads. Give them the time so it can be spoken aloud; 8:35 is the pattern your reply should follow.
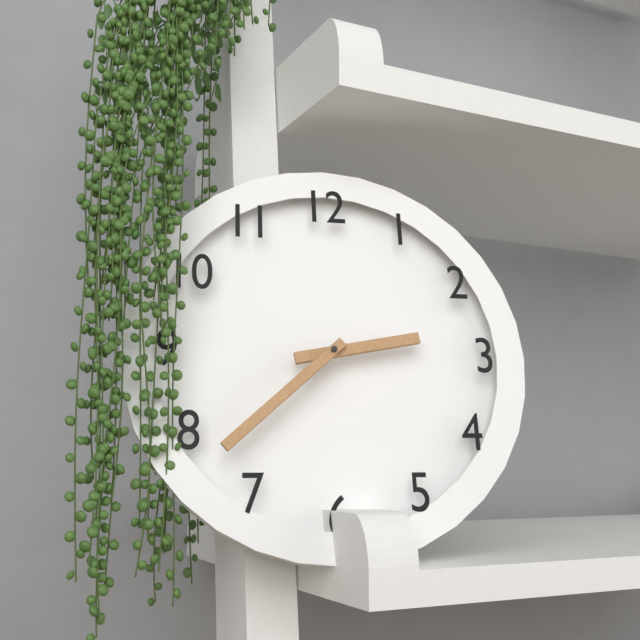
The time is 2:38
